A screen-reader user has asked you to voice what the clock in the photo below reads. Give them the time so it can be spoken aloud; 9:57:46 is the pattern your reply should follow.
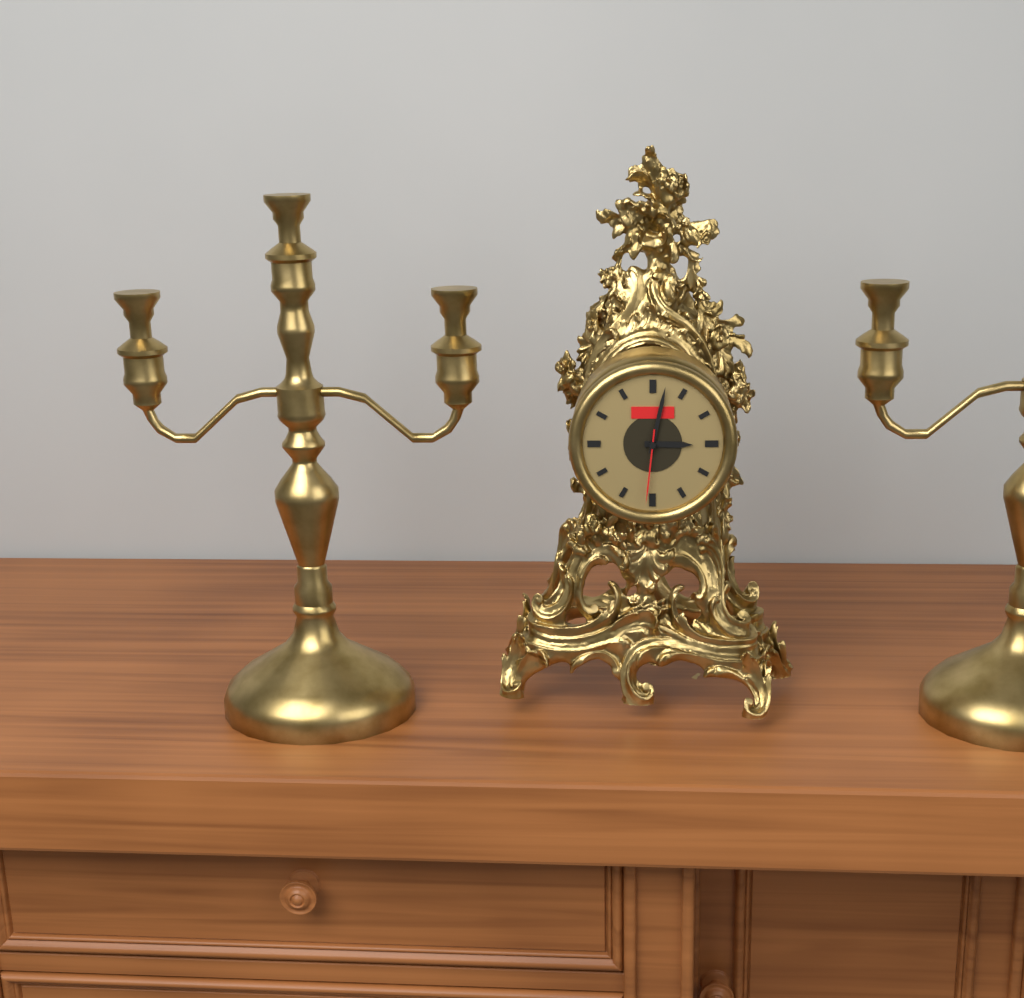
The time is 3:02:31
